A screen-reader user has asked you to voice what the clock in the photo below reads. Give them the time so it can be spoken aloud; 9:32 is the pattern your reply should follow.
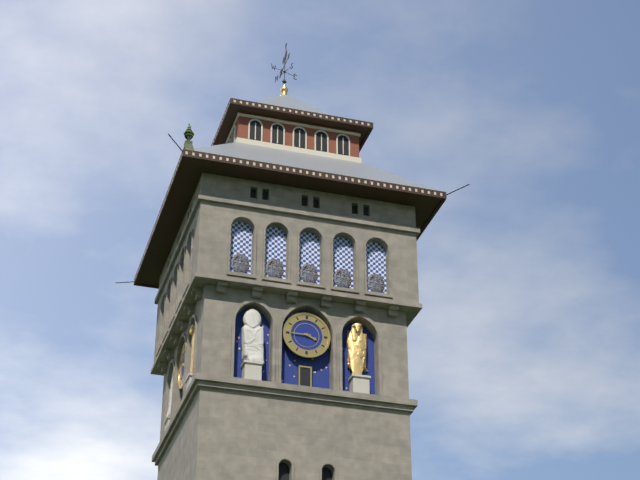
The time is 3:45
